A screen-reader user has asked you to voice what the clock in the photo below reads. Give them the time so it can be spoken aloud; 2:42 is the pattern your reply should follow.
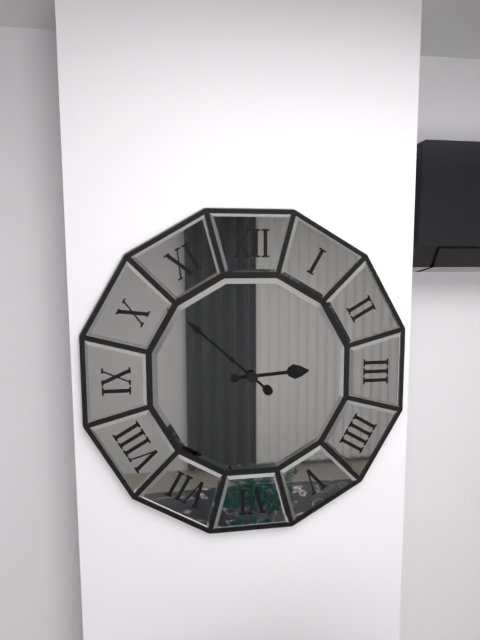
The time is 2:52
